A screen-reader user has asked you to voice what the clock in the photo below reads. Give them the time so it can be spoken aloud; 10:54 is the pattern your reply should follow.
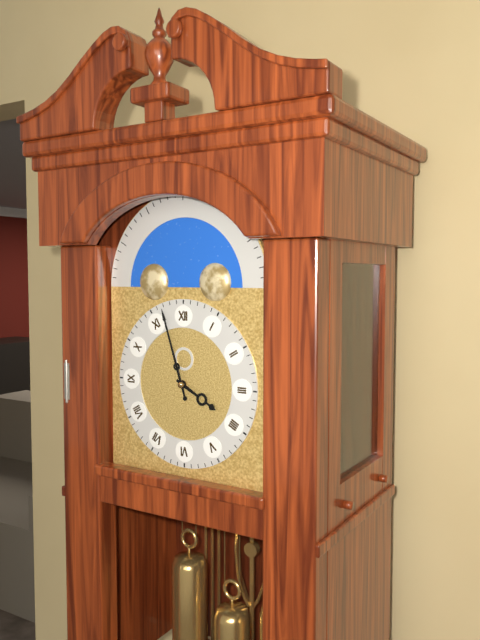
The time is 3:57
